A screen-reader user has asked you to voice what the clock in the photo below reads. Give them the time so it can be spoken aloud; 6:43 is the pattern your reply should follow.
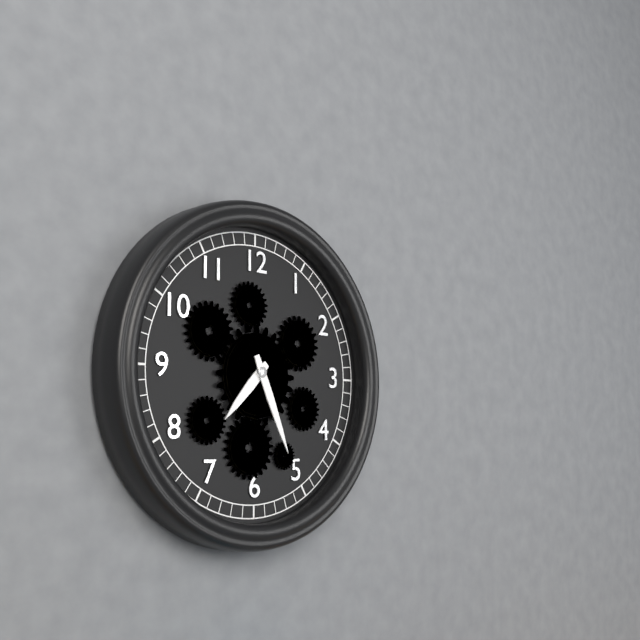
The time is 7:26
